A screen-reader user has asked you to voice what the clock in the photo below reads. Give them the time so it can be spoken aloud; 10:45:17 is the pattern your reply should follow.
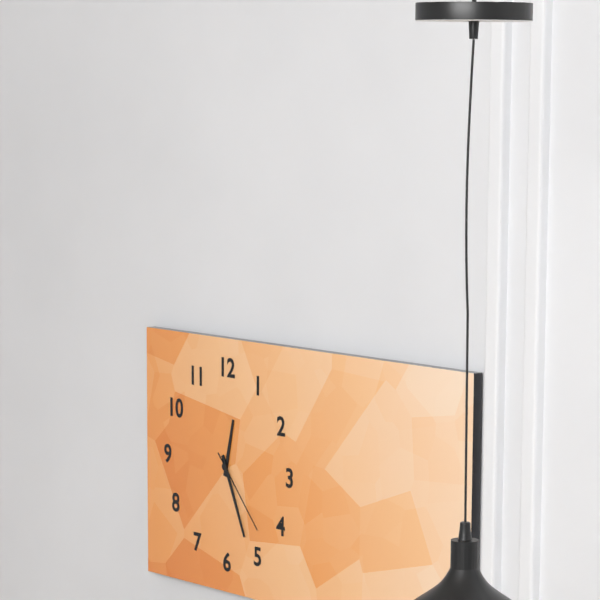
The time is 12:26:23
